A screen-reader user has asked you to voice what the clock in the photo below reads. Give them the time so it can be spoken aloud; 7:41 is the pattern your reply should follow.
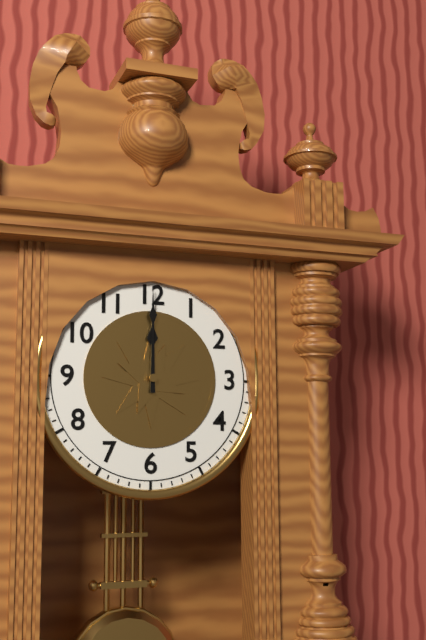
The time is 12:00
